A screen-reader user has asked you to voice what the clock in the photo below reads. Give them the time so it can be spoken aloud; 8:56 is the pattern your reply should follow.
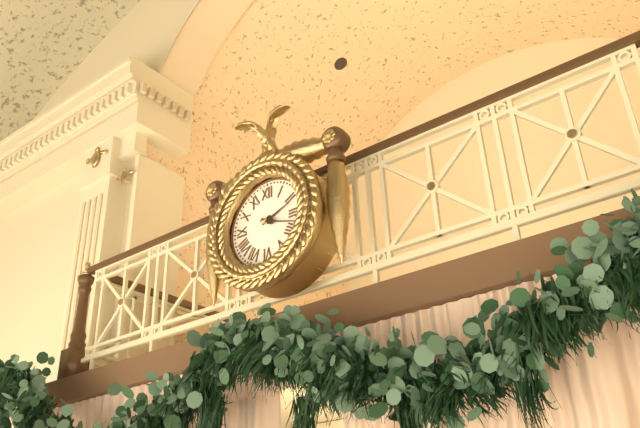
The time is 2:18
